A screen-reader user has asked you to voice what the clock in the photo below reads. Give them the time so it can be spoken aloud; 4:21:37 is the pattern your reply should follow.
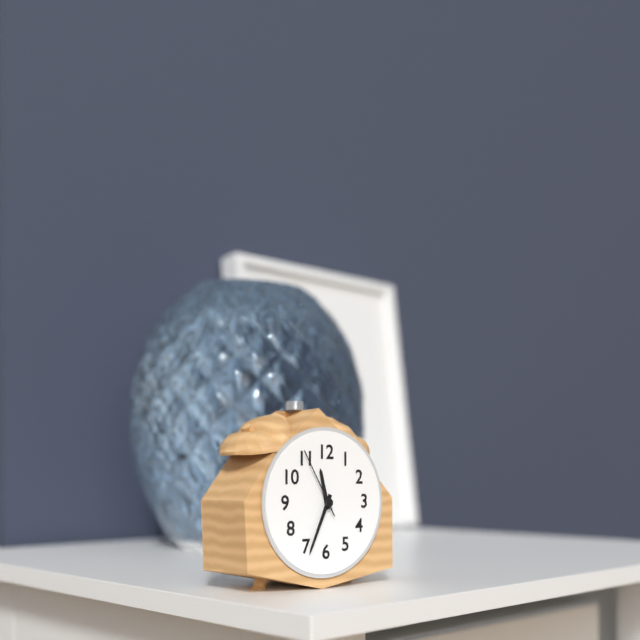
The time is 11:34:55
